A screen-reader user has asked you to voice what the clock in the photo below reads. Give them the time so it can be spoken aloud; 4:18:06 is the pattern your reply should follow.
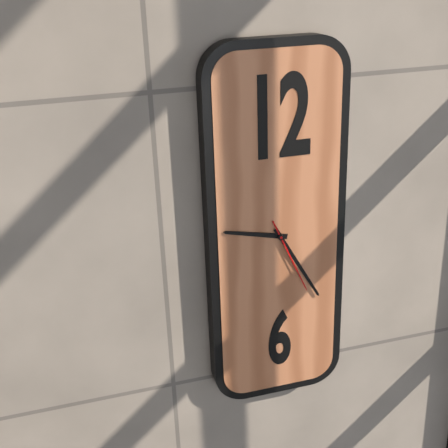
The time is 9:25:26
